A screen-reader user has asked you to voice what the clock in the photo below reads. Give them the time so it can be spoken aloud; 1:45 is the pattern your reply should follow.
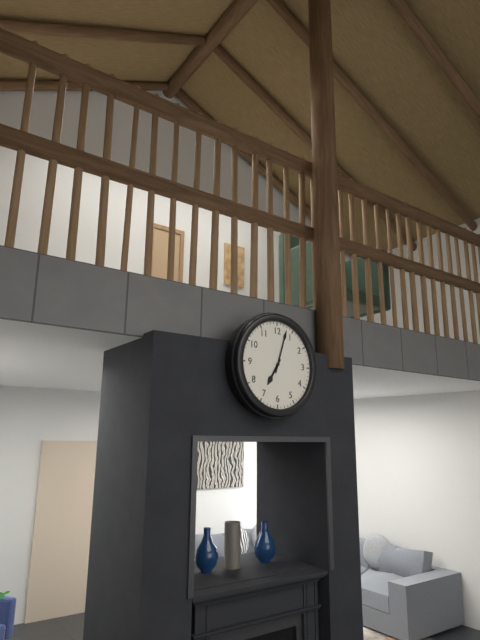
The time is 7:03
